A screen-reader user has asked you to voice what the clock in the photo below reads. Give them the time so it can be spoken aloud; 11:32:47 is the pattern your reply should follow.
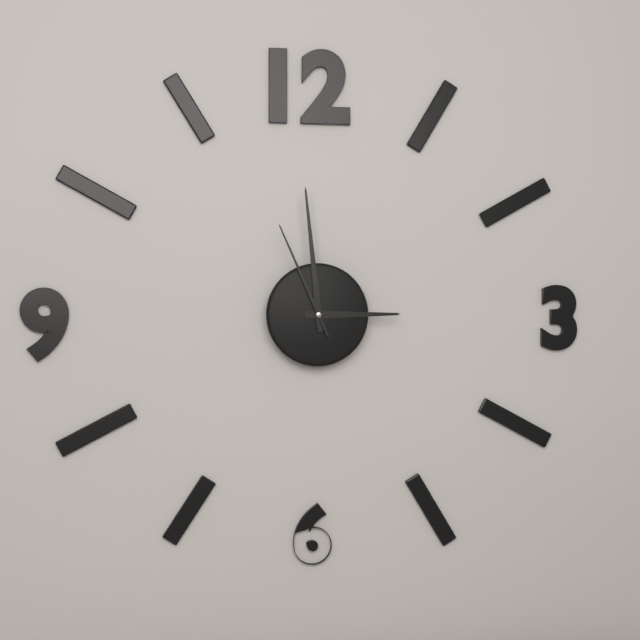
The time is 2:59:56
